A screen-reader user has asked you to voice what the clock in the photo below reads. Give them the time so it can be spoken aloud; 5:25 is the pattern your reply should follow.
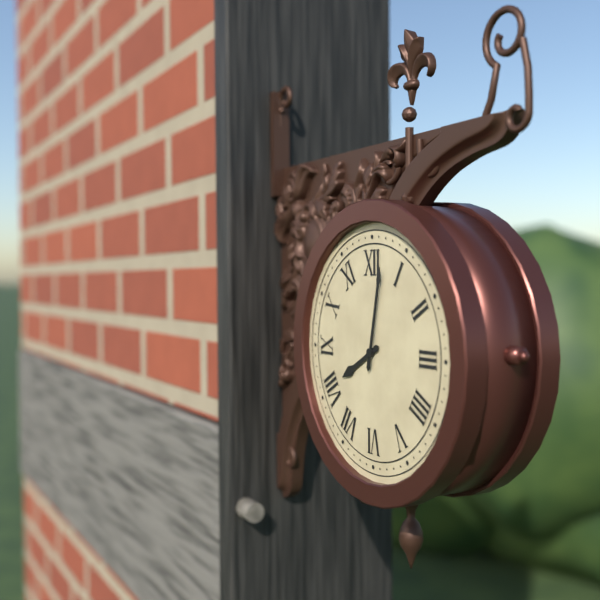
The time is 8:02
